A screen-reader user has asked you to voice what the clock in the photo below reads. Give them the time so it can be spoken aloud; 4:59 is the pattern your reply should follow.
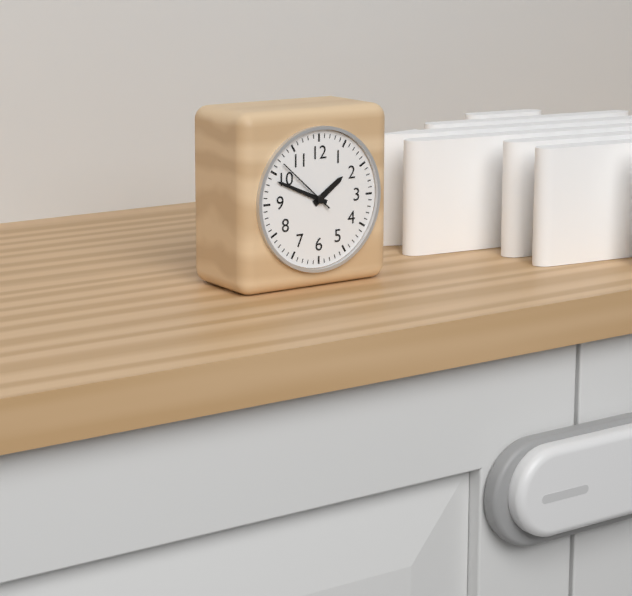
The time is 1:49
